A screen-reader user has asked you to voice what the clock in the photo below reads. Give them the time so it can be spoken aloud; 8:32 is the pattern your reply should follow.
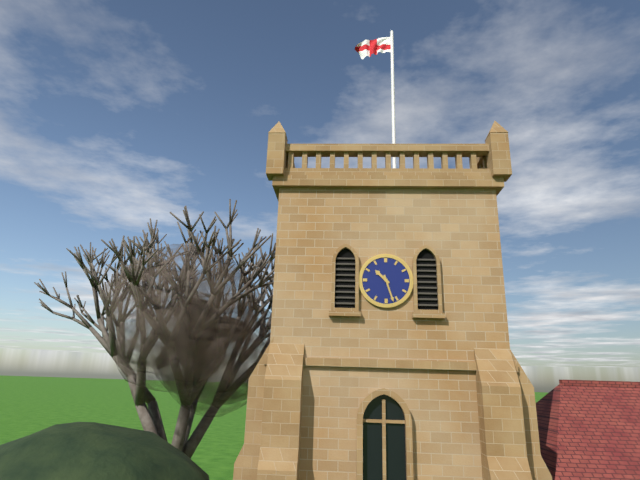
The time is 10:27
